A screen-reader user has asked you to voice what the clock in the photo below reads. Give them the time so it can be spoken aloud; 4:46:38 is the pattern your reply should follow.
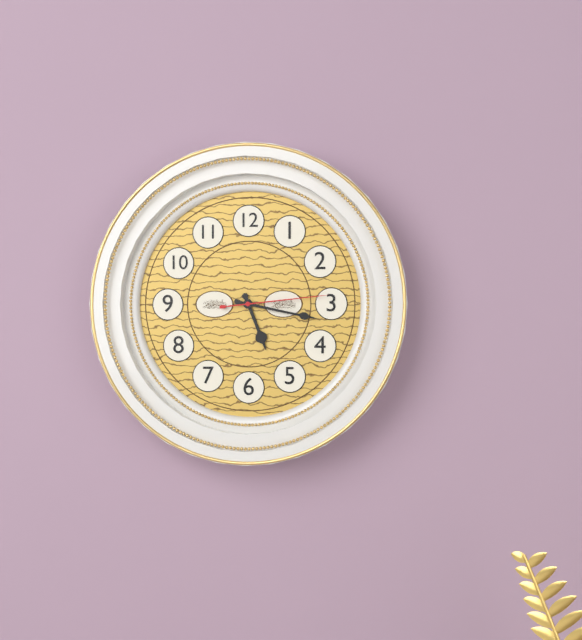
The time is 5:17:14
